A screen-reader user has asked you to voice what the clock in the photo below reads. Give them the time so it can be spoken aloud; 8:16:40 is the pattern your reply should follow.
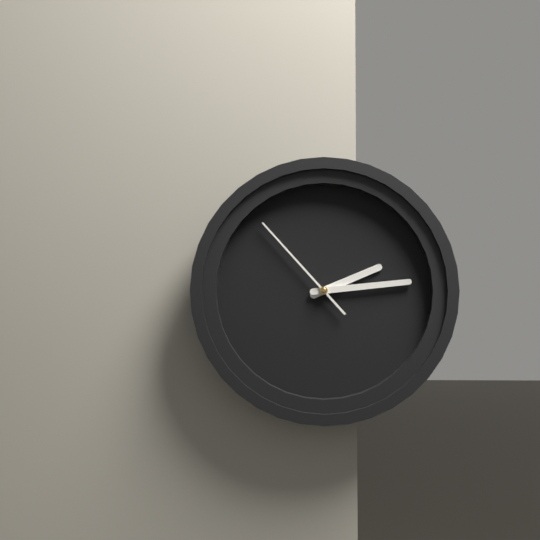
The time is 2:14:53
